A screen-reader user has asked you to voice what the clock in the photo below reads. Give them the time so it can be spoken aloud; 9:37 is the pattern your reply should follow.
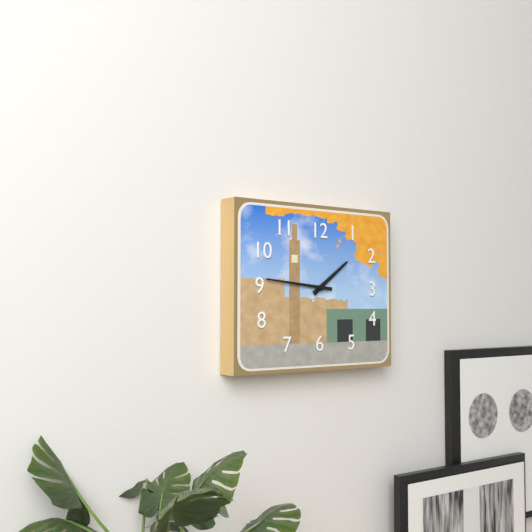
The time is 1:46
